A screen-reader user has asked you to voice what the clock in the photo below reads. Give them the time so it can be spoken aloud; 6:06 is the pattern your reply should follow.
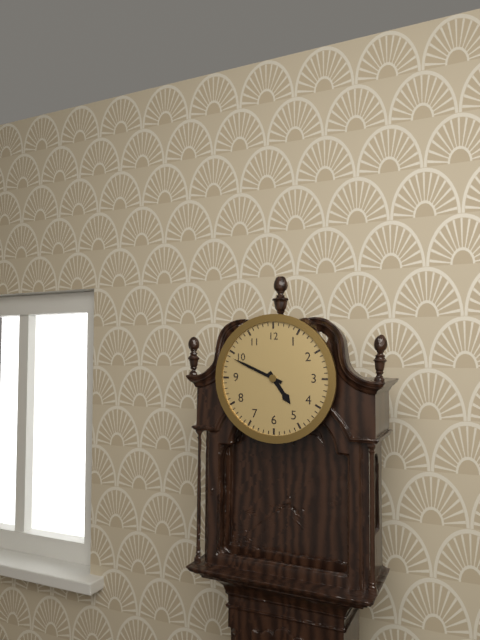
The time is 4:49
